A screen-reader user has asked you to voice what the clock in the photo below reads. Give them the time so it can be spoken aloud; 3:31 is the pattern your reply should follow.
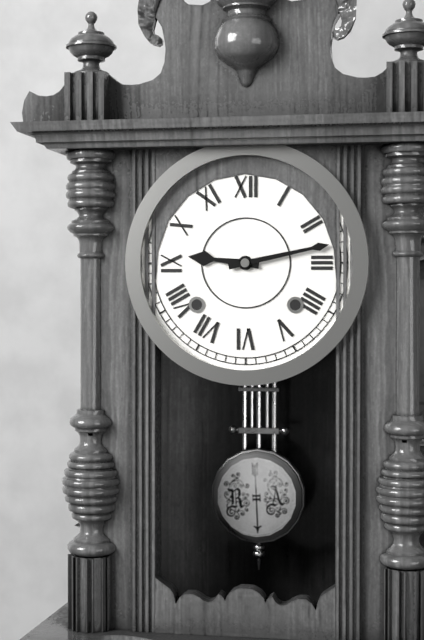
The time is 9:13
